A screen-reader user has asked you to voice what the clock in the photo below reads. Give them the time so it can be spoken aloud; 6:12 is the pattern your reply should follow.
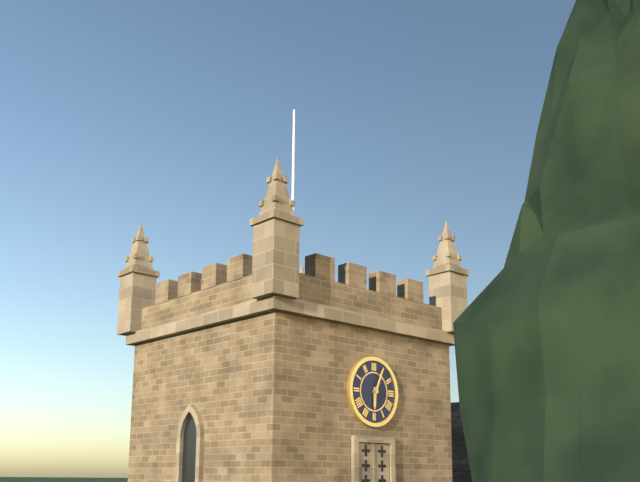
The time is 6:04
